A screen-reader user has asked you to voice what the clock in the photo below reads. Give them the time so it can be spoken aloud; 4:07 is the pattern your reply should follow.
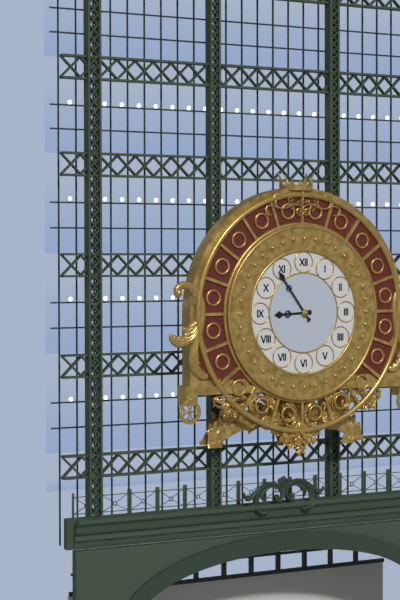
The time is 8:54
